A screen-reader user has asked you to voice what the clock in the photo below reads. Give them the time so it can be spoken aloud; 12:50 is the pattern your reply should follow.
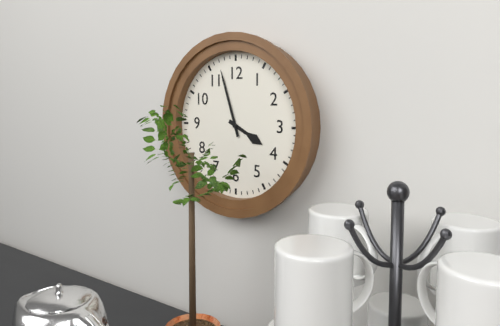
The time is 3:57
